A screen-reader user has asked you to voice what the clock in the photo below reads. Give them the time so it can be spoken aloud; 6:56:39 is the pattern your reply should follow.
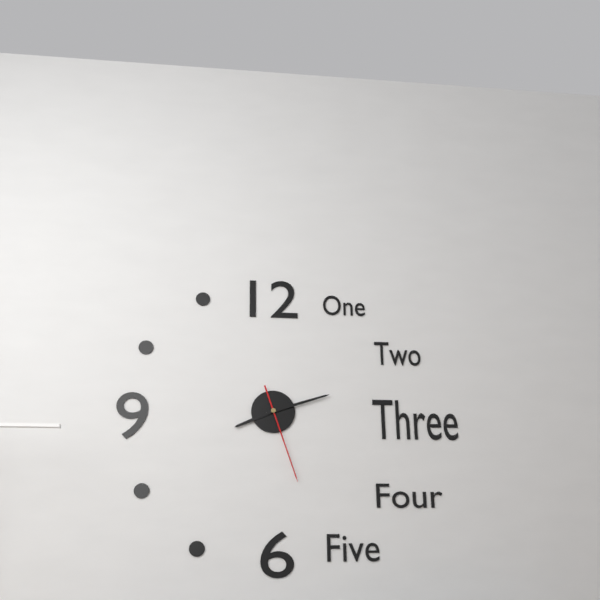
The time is 8:12:27
